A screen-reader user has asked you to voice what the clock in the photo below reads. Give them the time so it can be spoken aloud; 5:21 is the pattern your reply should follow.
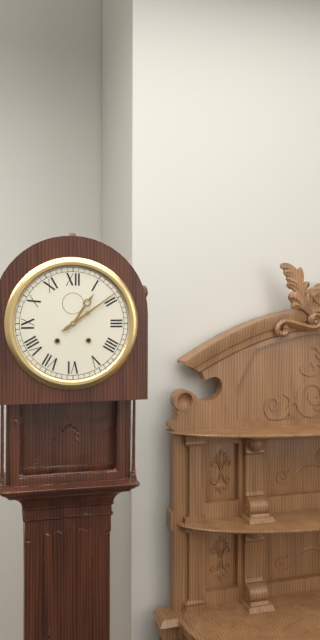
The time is 1:09
